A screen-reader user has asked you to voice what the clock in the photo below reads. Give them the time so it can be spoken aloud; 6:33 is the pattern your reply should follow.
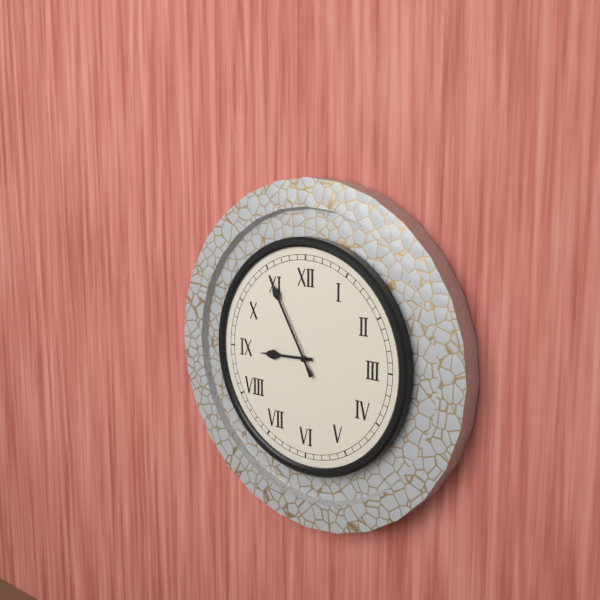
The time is 8:55
